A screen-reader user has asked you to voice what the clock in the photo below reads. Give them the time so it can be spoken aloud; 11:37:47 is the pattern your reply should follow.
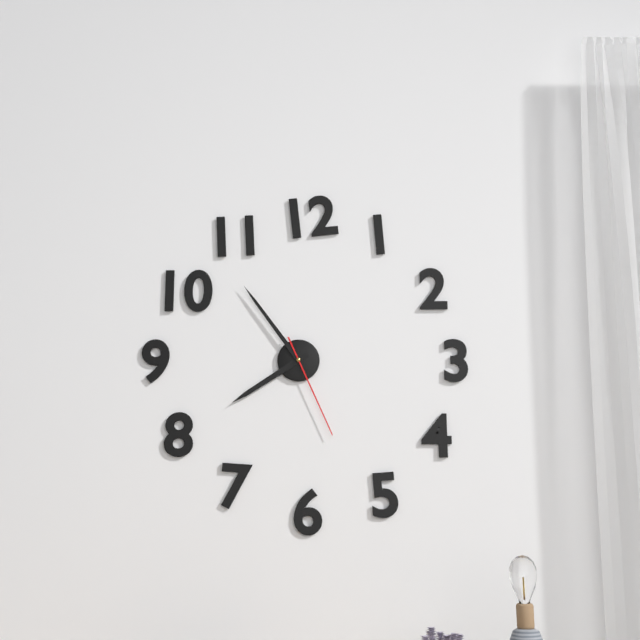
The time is 7:54:26
